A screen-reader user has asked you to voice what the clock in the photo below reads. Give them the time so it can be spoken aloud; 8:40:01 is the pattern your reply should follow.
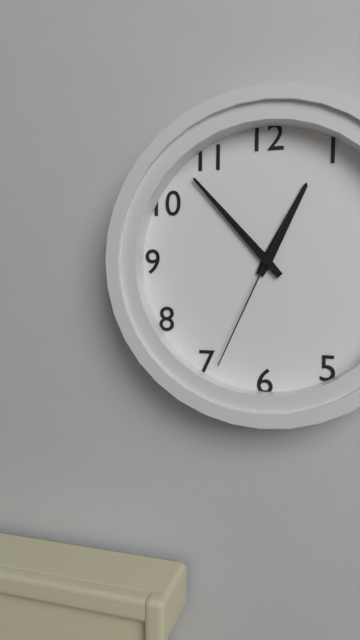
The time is 12:53:34
